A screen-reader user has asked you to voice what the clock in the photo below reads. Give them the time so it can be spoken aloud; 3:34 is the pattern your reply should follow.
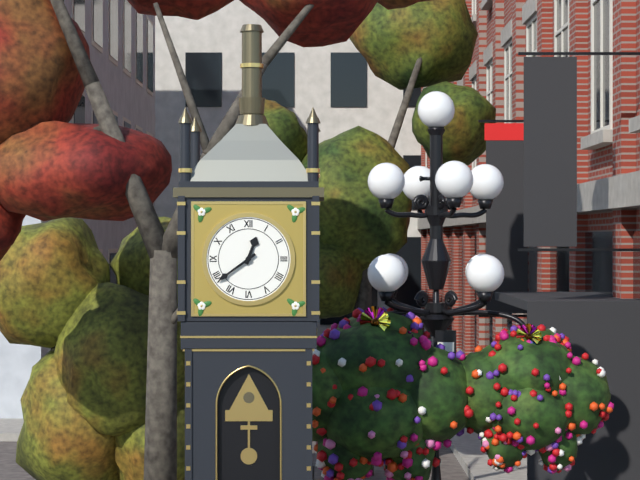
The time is 12:39
